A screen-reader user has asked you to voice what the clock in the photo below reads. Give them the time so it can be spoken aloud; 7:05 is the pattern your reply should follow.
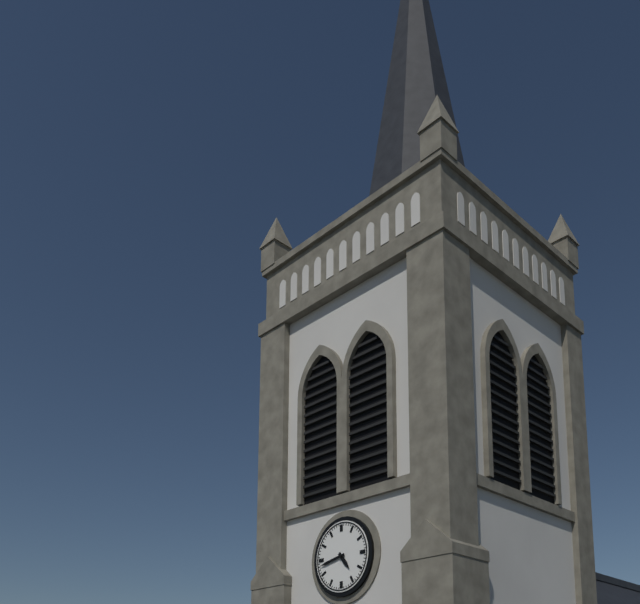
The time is 4:43
